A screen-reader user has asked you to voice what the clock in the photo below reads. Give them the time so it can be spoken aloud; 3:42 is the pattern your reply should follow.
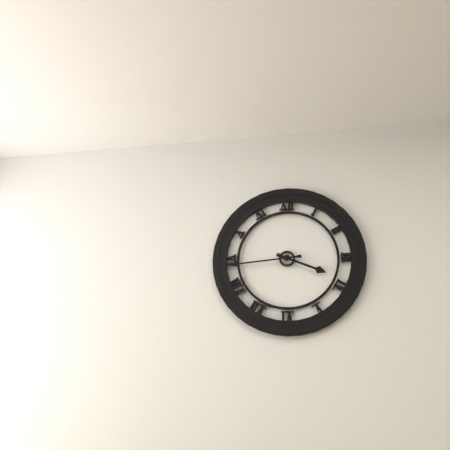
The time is 3:44
